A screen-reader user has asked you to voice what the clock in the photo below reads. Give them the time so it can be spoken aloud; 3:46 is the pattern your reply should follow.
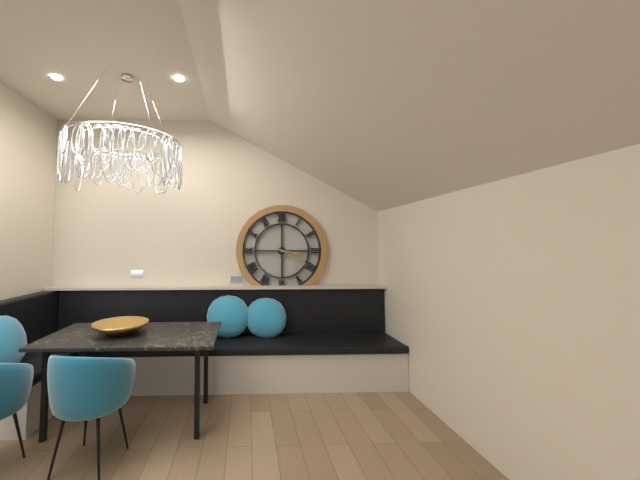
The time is 3:20
